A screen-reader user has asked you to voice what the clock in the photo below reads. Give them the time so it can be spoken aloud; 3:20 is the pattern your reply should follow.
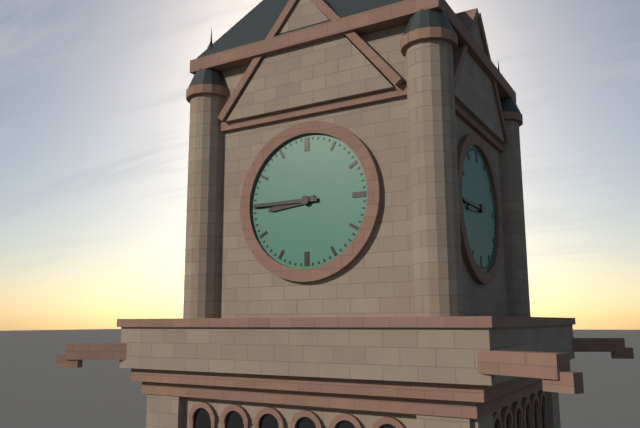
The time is 8:45
